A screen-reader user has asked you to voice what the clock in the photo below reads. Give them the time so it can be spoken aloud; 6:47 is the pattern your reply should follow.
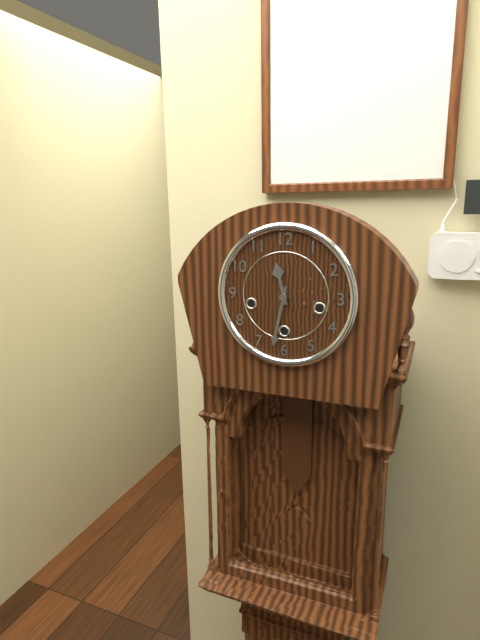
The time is 11:32
